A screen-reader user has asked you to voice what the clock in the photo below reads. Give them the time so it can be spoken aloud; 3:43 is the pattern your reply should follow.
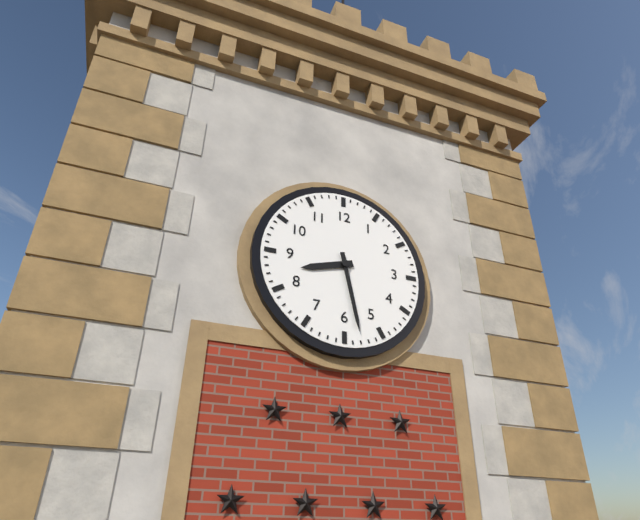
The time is 8:28
